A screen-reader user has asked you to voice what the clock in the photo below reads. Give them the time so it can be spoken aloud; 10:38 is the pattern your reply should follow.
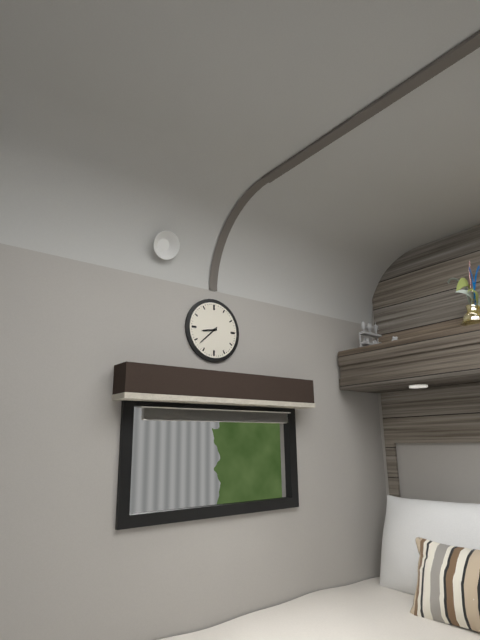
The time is 8:38
